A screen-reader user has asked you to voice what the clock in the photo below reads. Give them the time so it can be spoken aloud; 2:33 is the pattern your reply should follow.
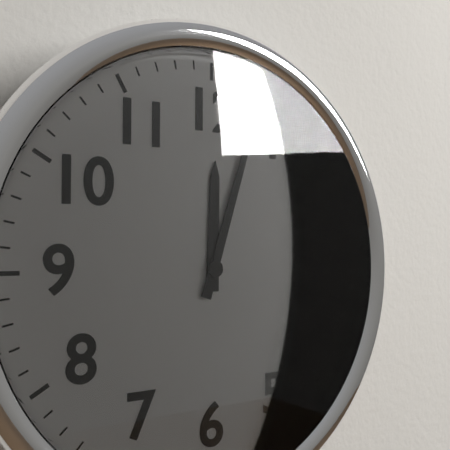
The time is 12:03
